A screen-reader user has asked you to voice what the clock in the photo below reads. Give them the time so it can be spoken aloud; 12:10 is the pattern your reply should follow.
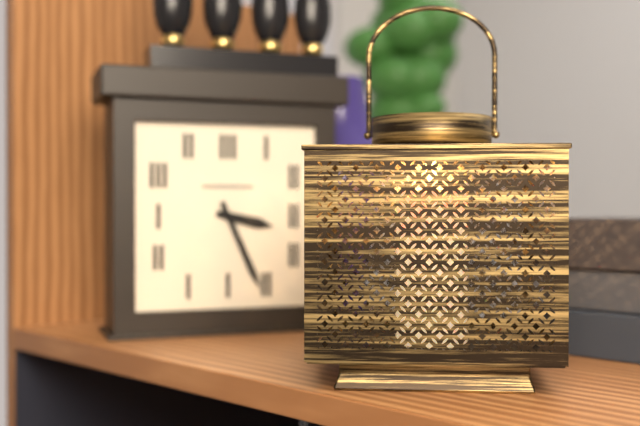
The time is 3:26
